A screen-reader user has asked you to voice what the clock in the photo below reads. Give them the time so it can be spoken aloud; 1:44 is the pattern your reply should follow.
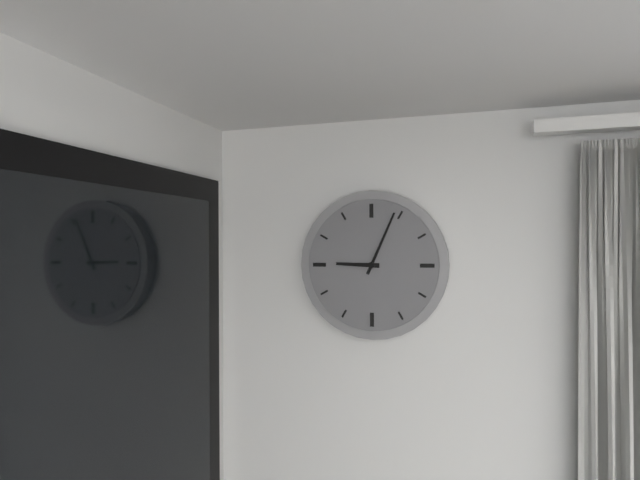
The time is 9:04
